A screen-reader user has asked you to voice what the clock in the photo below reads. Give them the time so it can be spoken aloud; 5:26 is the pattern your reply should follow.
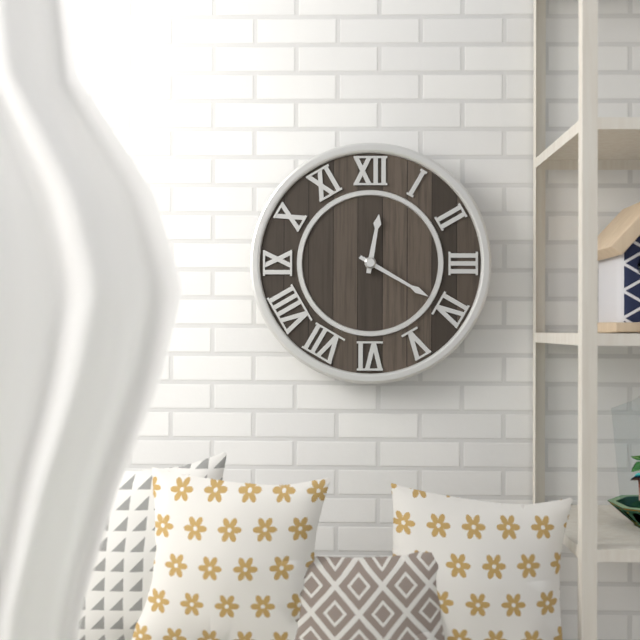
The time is 12:20
